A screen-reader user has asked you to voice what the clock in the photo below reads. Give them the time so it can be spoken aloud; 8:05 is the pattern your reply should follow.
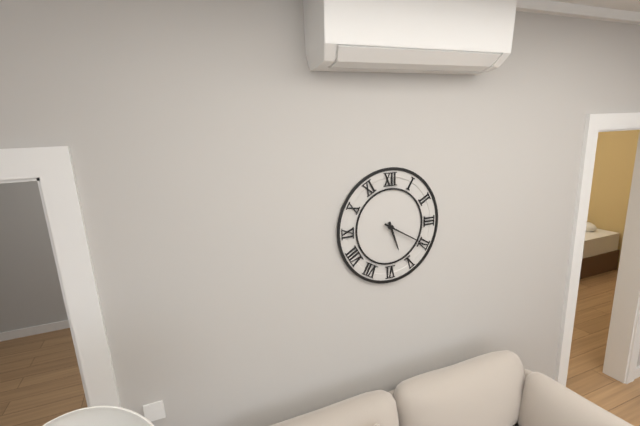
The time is 5:20
